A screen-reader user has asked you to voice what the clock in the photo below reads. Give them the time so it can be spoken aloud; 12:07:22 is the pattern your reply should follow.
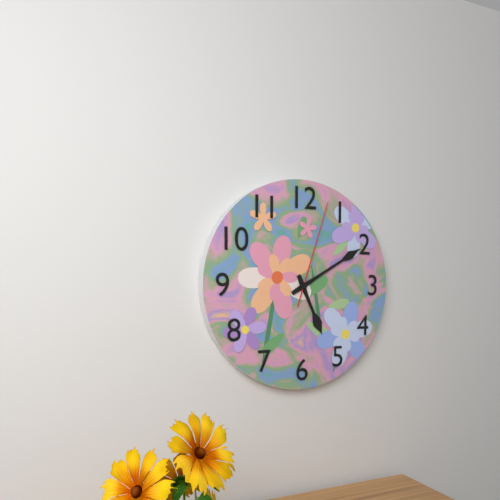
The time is 5:10:03
